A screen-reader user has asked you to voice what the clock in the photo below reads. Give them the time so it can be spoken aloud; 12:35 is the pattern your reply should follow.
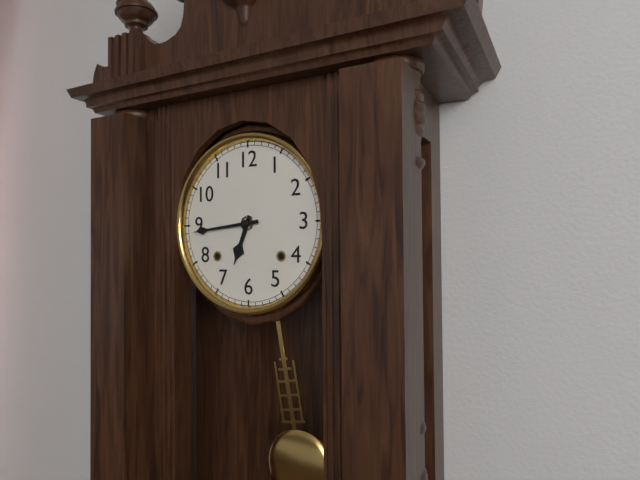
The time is 6:44
